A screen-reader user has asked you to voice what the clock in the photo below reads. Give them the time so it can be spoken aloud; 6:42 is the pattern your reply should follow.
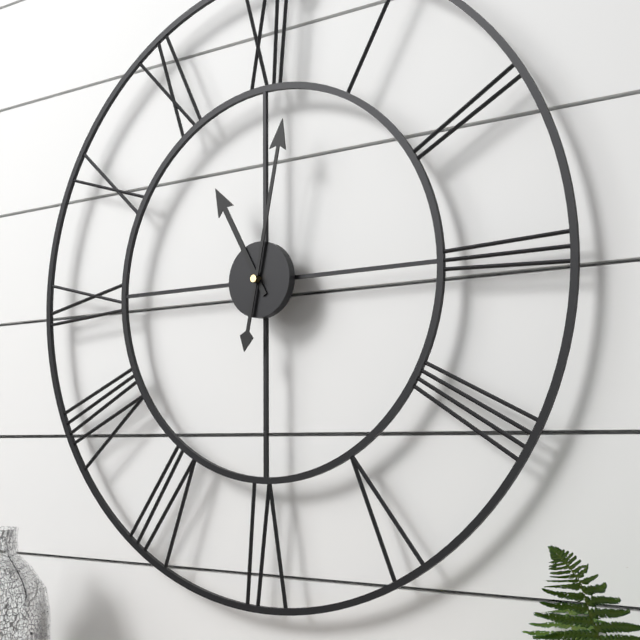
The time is 11:02
